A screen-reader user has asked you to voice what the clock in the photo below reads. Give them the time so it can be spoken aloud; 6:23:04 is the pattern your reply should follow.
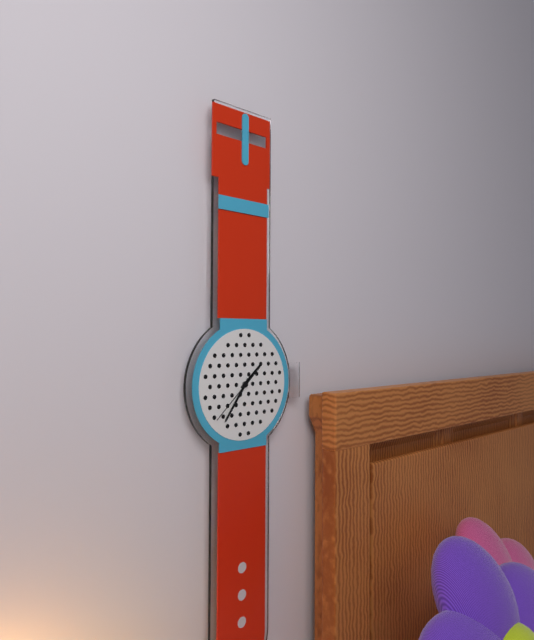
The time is 1:36:38
